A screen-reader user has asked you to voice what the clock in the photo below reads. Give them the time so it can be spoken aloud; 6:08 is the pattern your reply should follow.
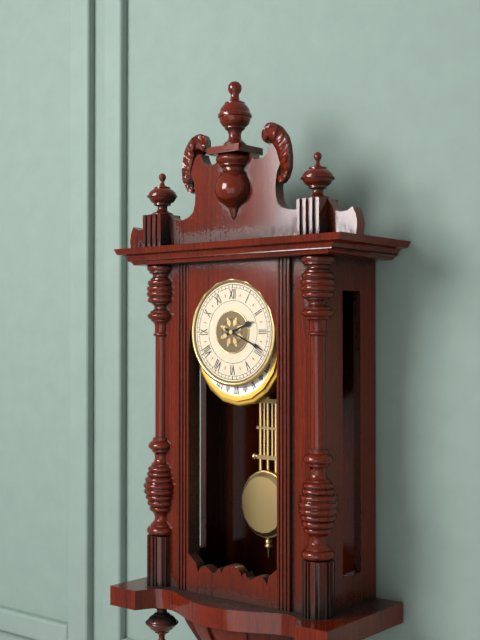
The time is 2:19
